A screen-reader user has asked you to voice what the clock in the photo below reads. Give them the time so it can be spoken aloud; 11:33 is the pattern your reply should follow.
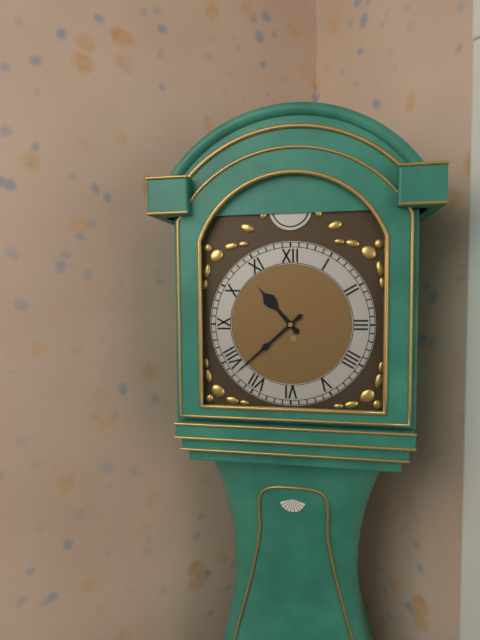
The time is 10:38
